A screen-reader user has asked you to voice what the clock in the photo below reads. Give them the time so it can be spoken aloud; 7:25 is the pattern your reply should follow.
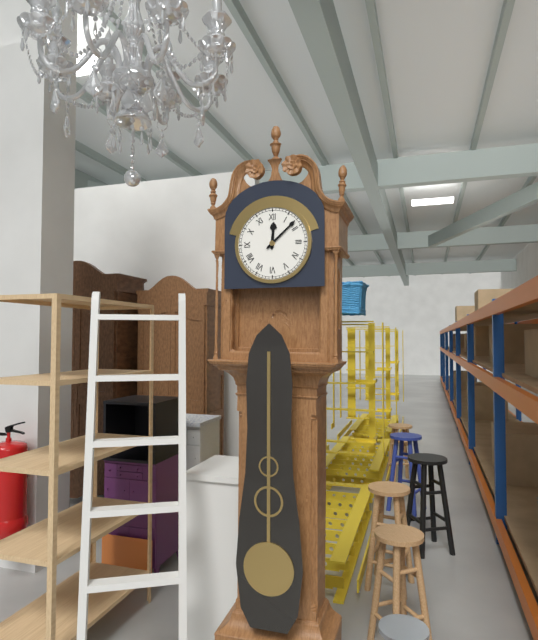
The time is 12:08
